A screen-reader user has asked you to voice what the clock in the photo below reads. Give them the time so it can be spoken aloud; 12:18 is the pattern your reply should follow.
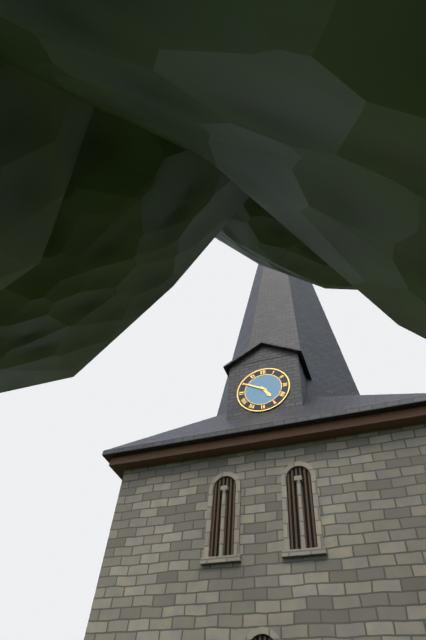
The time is 4:50
